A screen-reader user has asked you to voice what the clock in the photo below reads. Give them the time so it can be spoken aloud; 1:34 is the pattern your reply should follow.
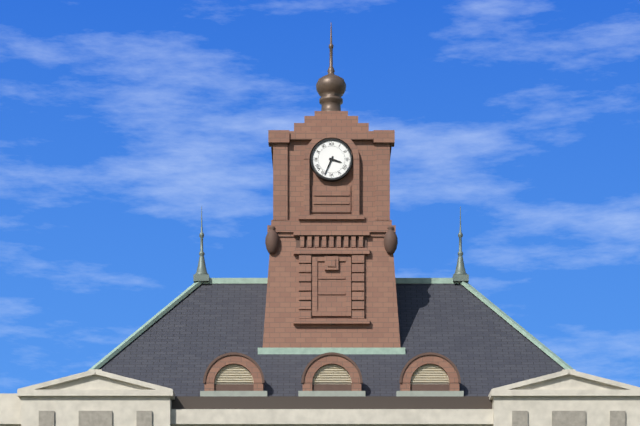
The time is 3:34
